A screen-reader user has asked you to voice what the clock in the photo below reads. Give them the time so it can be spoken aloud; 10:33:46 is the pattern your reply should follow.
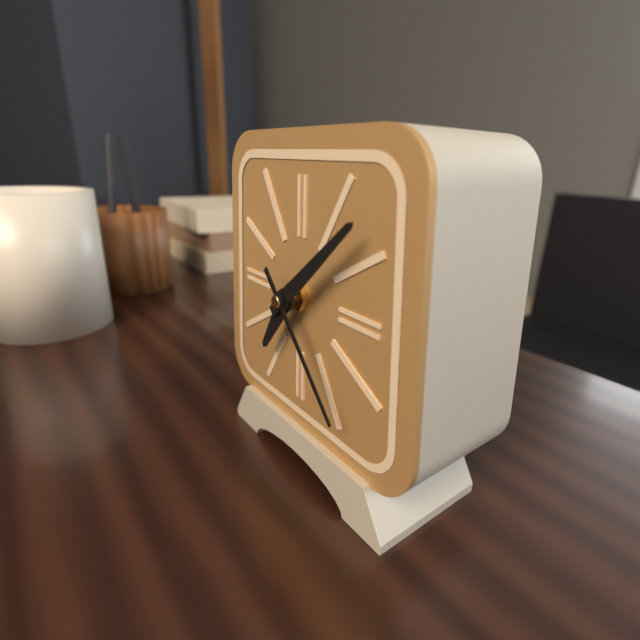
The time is 7:08:23
